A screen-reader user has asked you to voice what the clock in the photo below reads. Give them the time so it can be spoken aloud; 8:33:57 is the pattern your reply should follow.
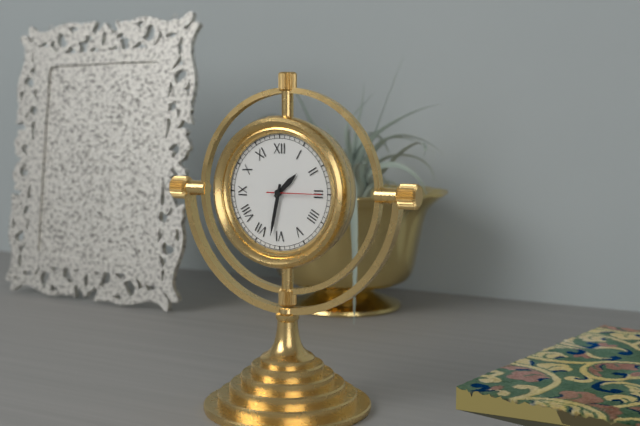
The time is 1:32:15
